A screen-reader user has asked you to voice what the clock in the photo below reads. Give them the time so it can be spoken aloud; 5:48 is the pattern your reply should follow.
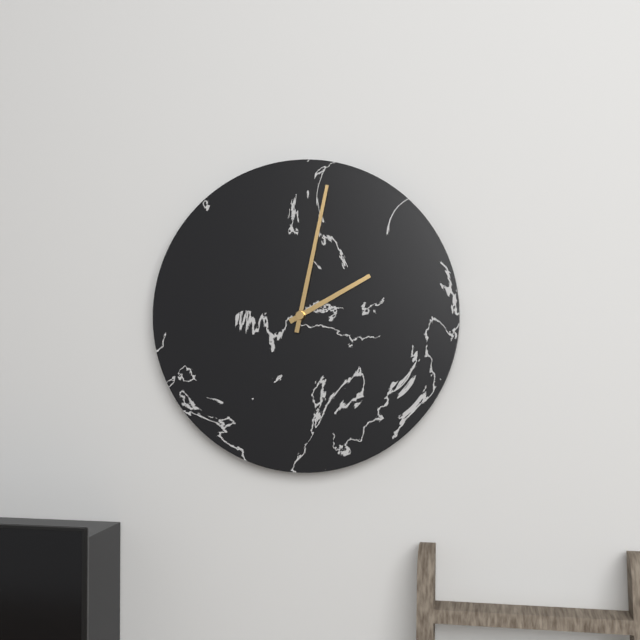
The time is 2:02
